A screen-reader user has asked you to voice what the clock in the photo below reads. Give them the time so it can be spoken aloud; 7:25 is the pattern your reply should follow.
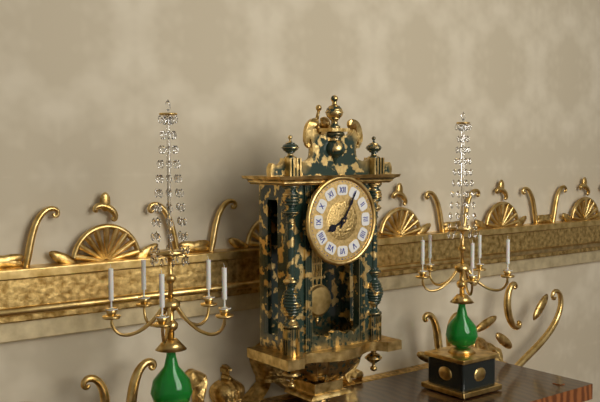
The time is 8:05
